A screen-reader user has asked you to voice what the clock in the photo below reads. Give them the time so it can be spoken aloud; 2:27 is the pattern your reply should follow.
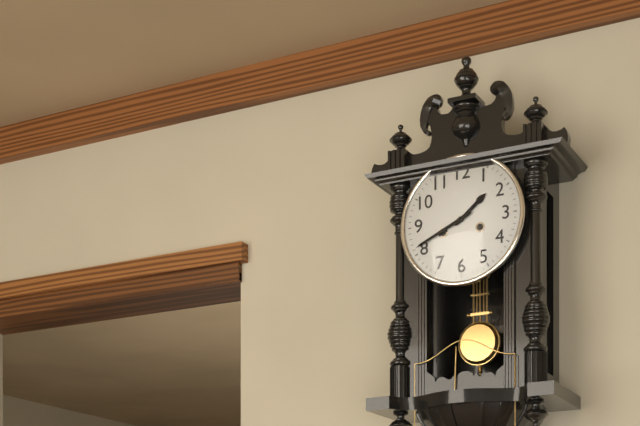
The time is 1:41
